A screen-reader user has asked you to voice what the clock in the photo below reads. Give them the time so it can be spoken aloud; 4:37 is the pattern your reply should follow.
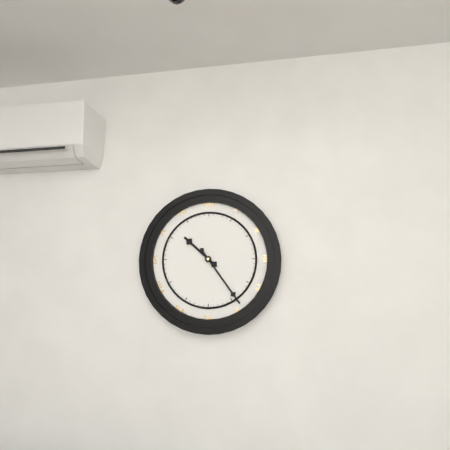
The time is 10:24
